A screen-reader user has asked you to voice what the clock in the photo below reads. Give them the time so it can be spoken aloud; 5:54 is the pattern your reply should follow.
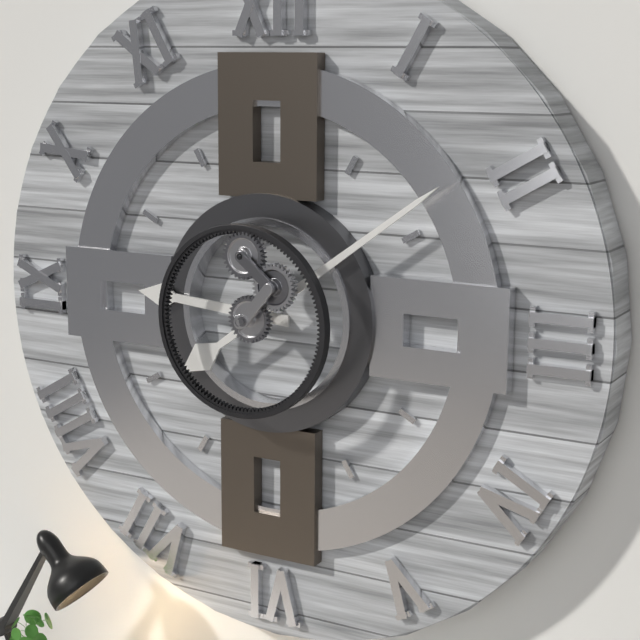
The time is 9:09
